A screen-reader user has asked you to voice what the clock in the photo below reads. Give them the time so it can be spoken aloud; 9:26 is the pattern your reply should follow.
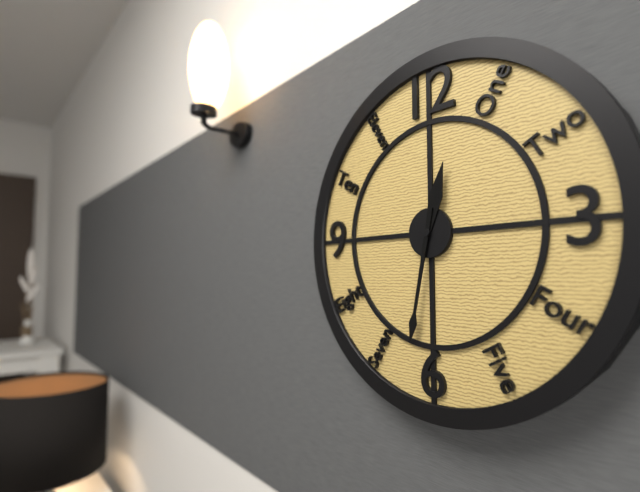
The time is 12:32
